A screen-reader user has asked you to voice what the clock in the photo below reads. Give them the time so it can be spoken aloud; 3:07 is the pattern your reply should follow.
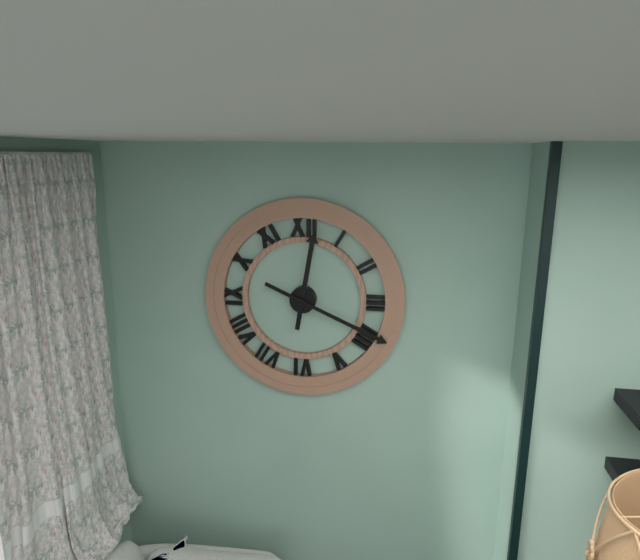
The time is 12:19
